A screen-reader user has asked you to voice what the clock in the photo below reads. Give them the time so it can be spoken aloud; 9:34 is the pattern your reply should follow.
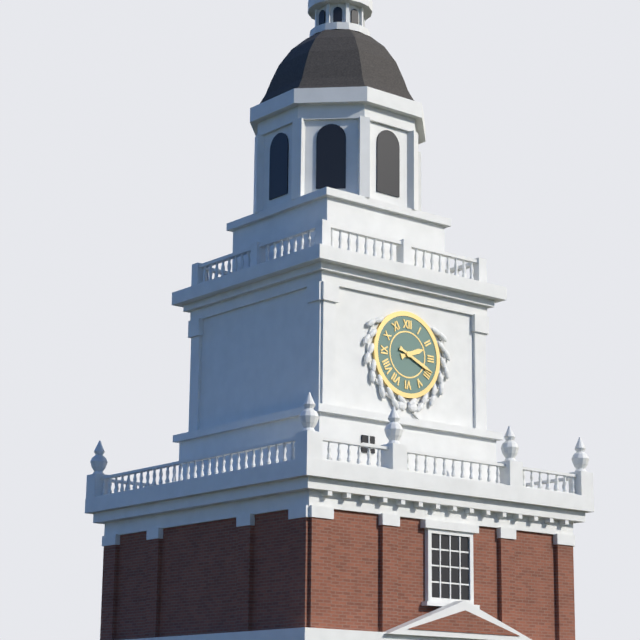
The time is 2:19
